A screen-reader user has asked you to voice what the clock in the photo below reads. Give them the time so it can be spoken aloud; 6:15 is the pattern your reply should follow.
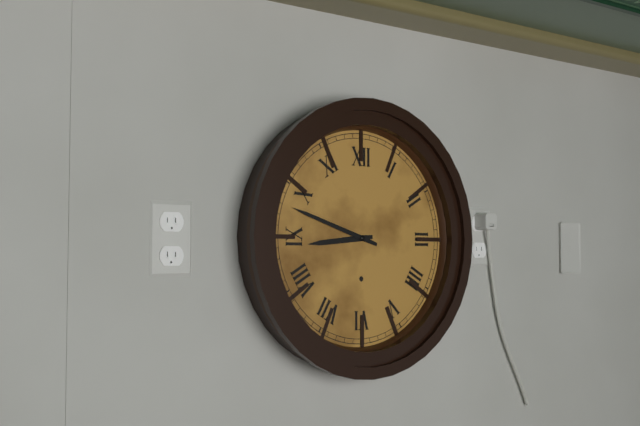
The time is 8:48
